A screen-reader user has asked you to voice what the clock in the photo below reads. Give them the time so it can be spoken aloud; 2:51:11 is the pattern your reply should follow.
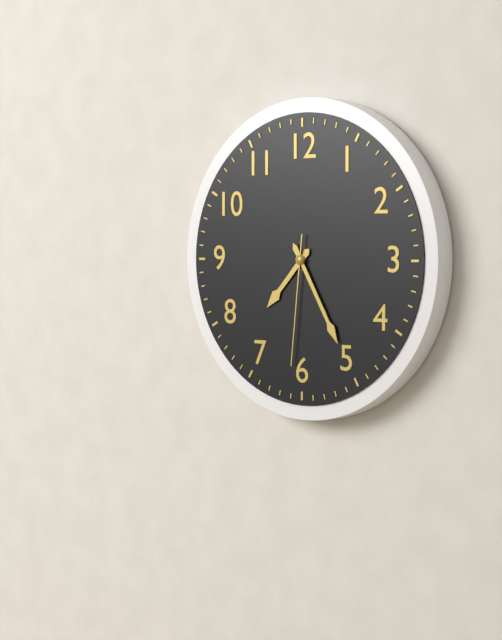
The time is 7:25:31
